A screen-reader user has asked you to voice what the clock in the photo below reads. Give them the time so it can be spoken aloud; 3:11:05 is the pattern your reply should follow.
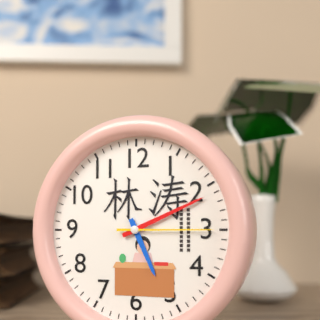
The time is 5:11:15
